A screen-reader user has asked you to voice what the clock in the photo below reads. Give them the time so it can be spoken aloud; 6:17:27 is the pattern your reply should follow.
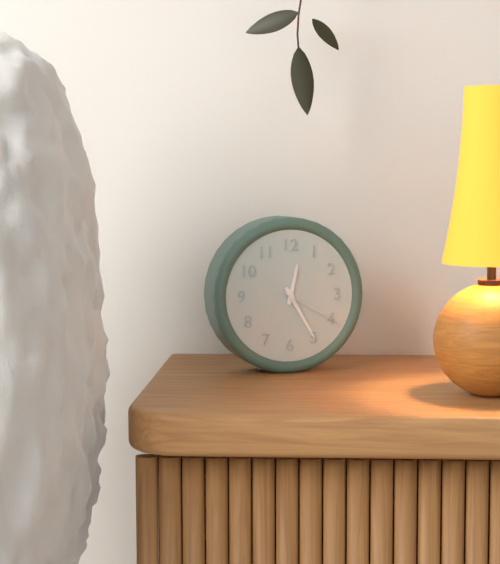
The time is 12:25:20
